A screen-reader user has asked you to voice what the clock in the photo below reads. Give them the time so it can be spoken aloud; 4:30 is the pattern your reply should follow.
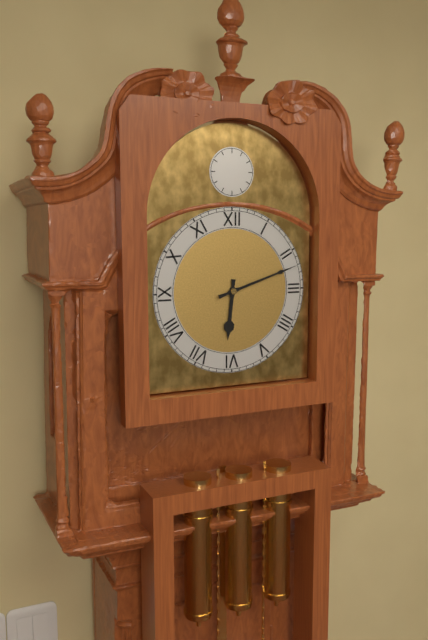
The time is 6:12
